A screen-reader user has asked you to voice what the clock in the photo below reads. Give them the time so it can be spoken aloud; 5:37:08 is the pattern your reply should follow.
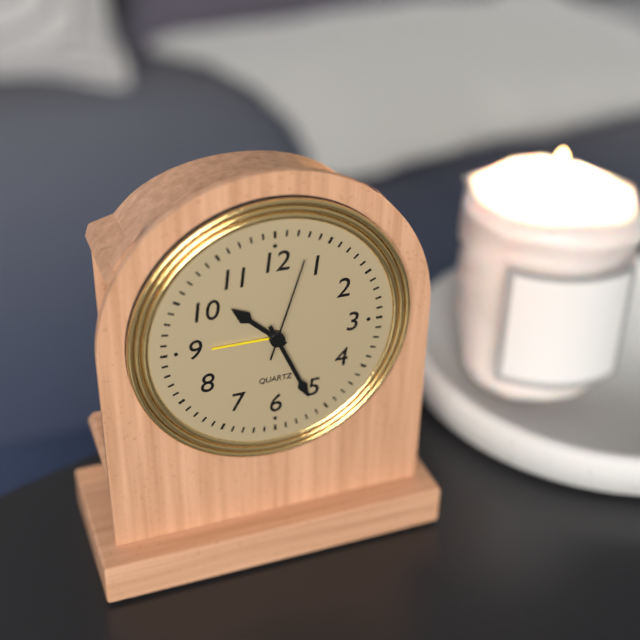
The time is 10:26:03
